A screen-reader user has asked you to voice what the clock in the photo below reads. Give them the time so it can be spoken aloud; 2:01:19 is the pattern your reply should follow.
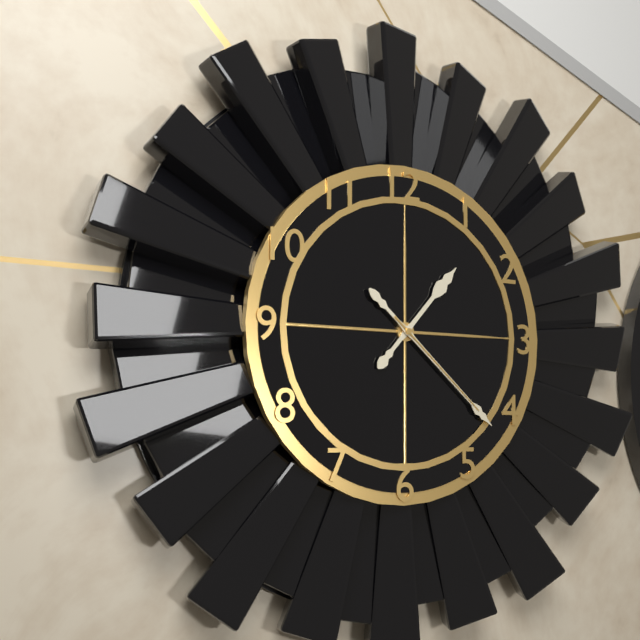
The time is 1:22:22
